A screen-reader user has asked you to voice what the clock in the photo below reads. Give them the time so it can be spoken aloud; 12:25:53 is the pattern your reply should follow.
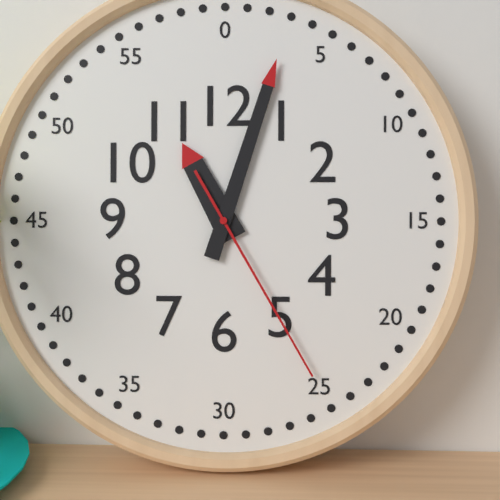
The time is 11:03:25
